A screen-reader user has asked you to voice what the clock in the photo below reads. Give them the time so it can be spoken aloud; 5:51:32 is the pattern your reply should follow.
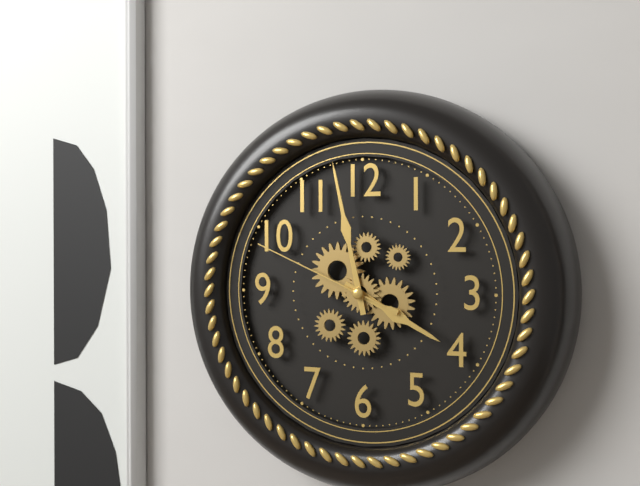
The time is 3:58:49
